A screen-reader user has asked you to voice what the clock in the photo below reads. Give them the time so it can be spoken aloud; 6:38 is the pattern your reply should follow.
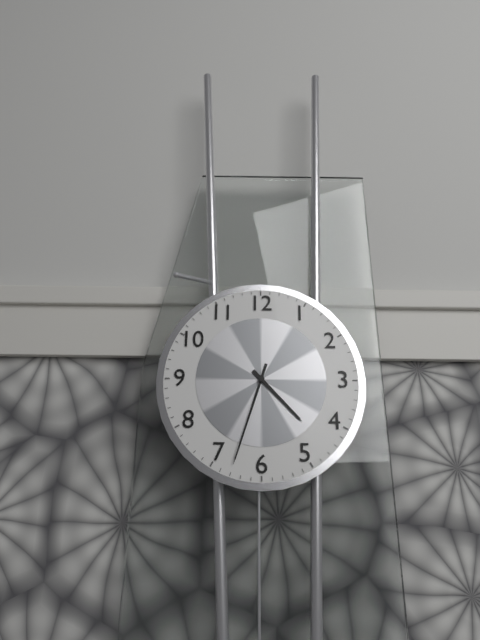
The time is 4:33
